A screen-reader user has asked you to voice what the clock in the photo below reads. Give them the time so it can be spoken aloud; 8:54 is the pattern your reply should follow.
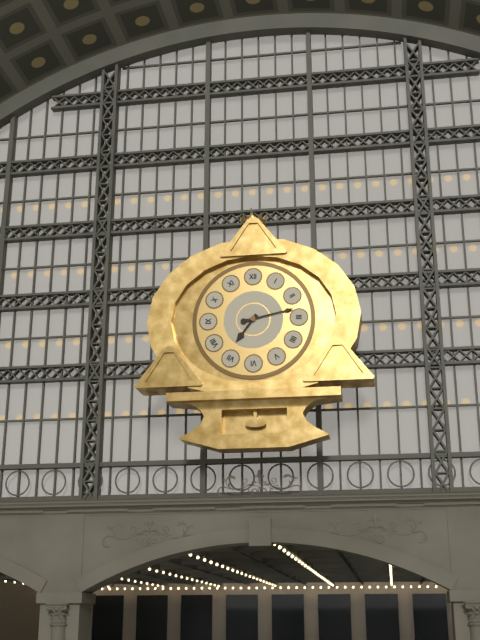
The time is 7:13
